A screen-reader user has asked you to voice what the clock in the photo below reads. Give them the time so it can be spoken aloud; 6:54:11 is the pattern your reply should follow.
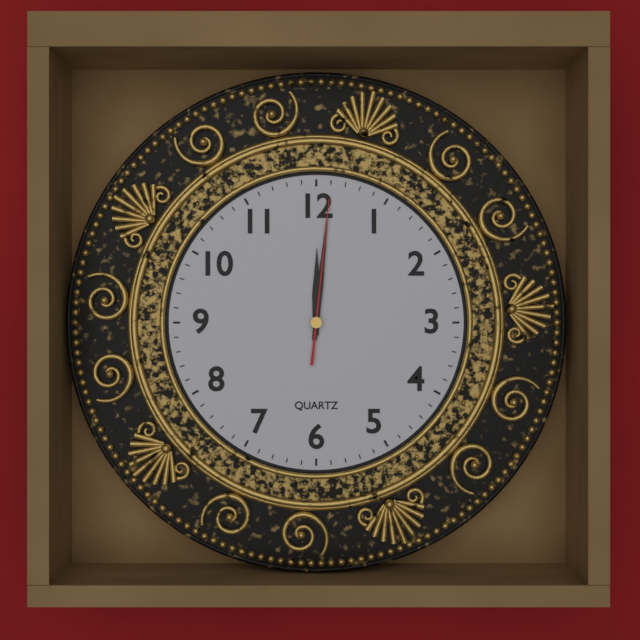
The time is 12:01:01
